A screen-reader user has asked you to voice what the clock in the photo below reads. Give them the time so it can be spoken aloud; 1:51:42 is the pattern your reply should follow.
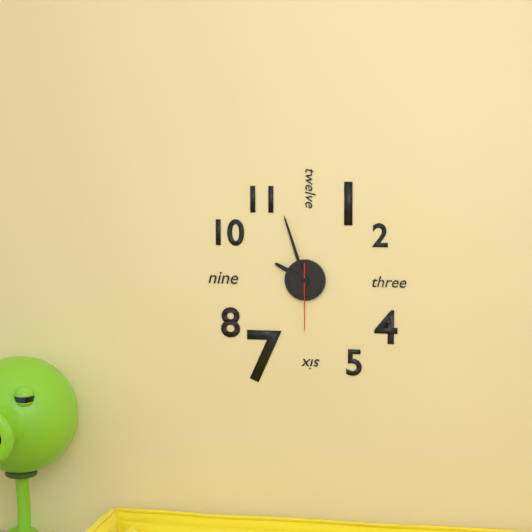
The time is 9:57:30
